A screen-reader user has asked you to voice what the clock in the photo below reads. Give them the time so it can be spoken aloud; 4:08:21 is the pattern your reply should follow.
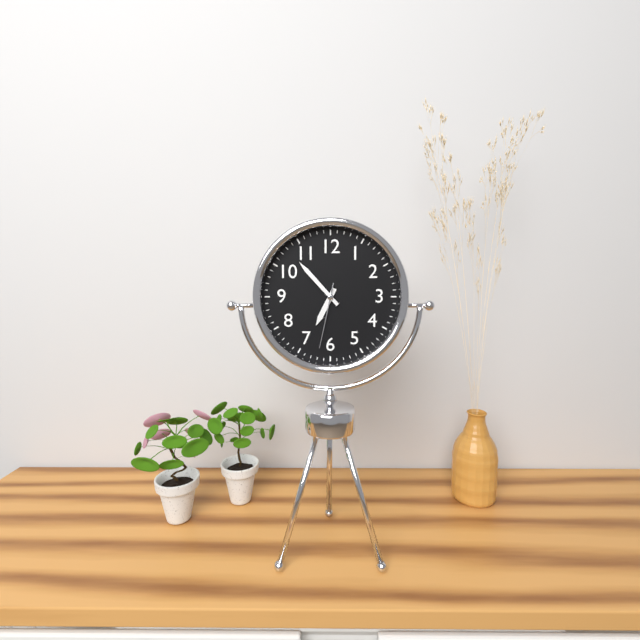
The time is 6:53:32
